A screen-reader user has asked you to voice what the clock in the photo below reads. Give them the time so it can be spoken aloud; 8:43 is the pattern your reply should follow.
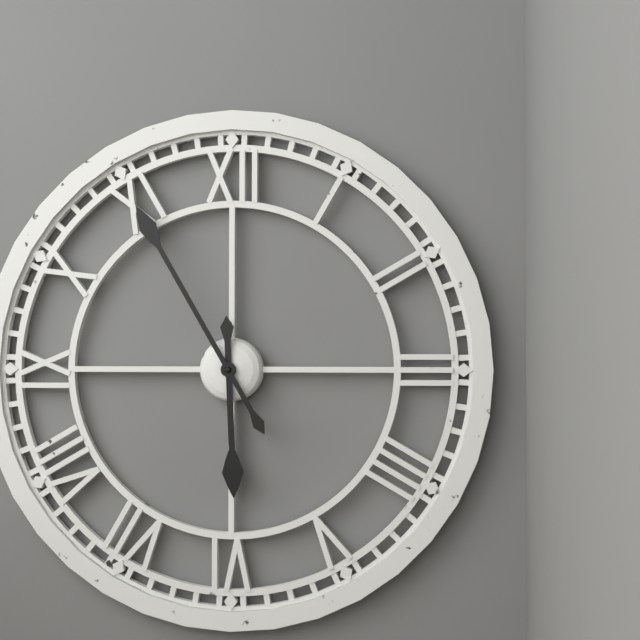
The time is 5:55
